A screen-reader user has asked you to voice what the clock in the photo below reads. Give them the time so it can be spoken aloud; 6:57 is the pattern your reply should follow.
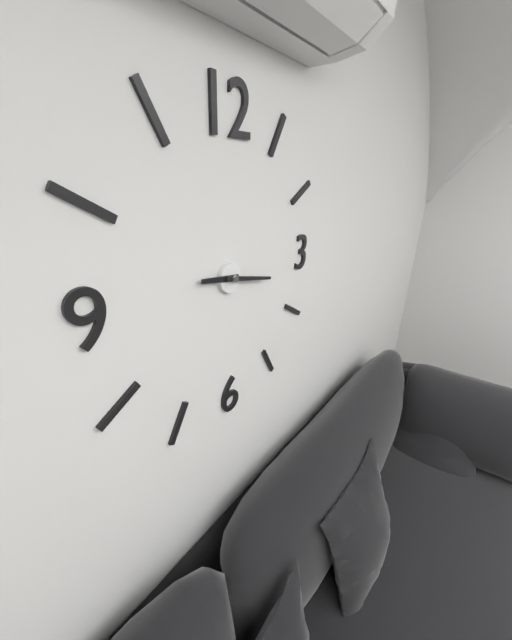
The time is 9:17
